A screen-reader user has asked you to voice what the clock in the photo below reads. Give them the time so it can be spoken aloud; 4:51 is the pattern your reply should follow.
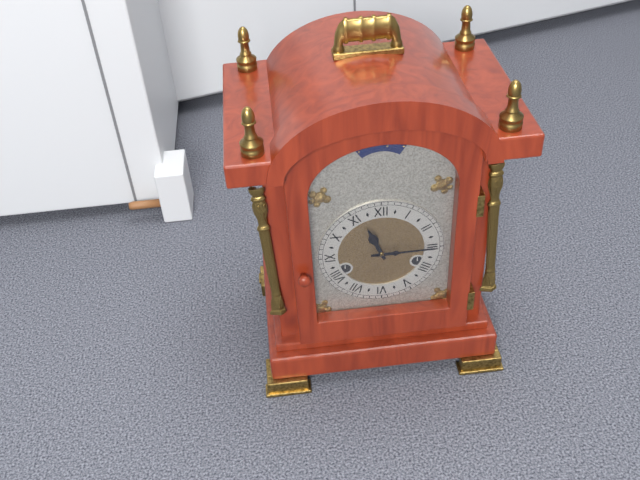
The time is 11:15
